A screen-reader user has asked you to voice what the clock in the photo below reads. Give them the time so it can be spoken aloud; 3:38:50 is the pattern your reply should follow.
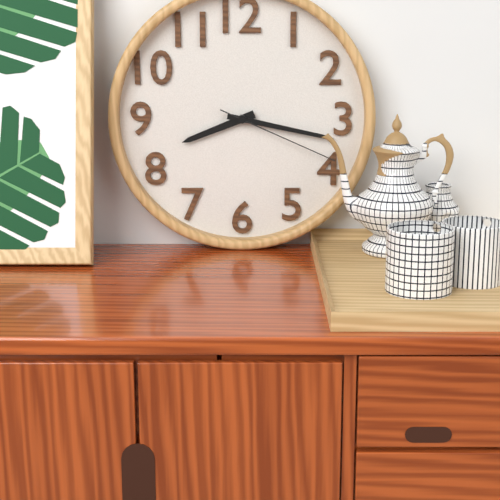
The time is 8:17:19
